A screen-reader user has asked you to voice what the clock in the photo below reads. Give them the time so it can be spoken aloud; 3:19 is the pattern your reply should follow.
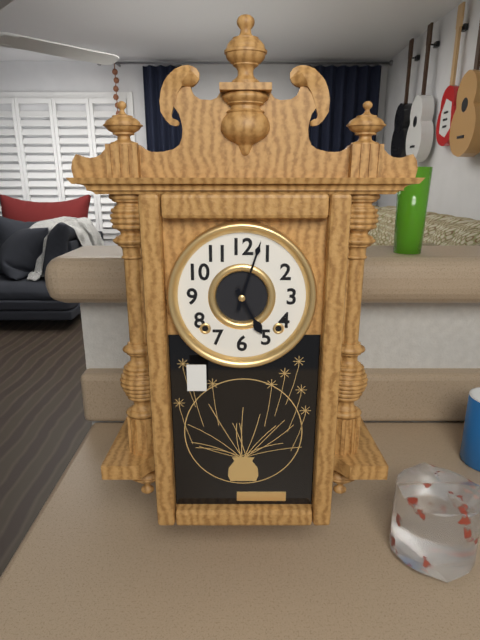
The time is 5:03
